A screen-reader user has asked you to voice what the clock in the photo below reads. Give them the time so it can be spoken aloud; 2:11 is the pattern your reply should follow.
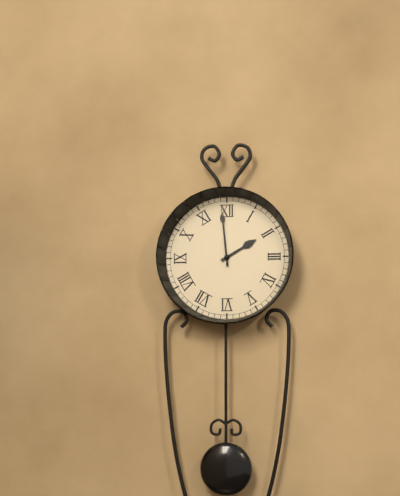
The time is 1:59
